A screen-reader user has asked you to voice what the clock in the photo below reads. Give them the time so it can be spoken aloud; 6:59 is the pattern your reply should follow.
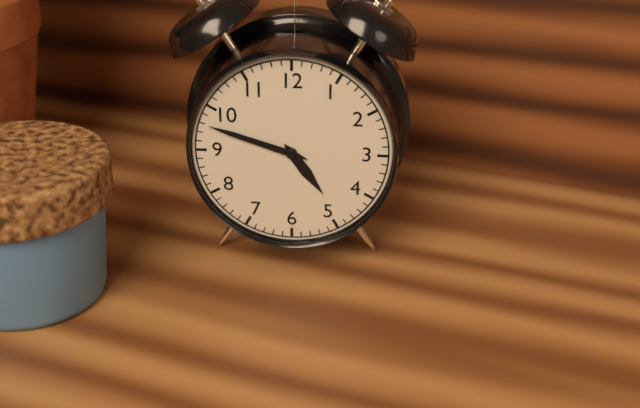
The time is 4:48
